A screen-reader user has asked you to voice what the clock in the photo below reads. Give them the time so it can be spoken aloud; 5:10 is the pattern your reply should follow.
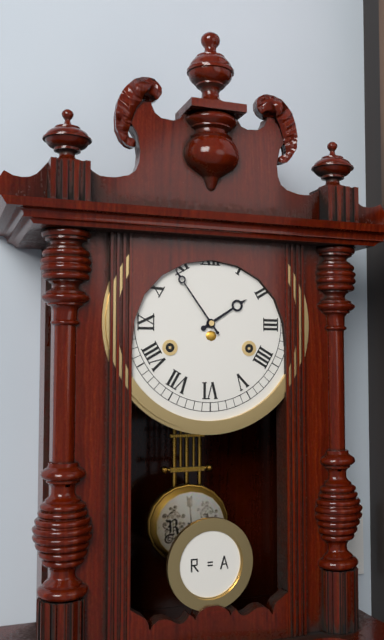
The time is 1:54
